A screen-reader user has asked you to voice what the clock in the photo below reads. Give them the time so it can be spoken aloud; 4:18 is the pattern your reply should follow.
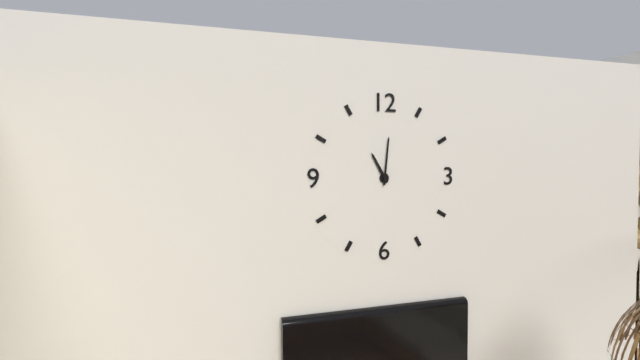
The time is 11:01
